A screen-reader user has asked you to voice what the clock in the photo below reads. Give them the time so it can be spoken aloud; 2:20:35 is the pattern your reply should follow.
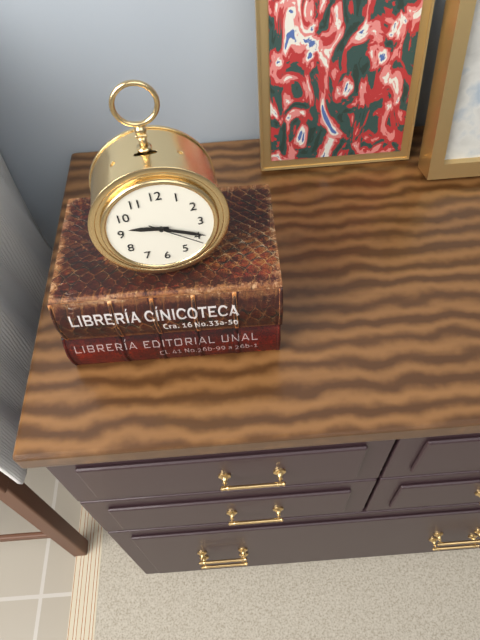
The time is 9:19:21
